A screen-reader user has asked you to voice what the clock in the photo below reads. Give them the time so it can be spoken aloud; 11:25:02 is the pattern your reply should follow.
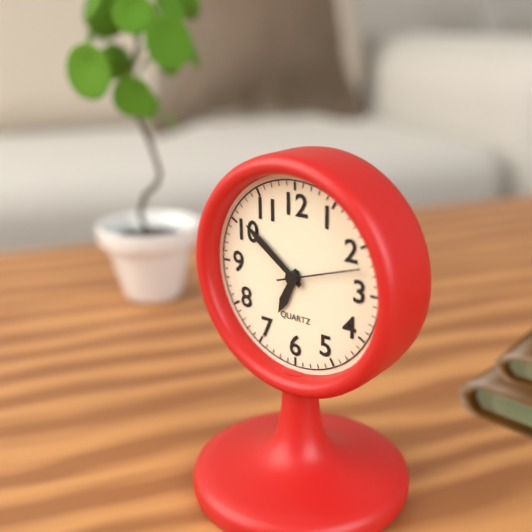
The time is 6:51:12
